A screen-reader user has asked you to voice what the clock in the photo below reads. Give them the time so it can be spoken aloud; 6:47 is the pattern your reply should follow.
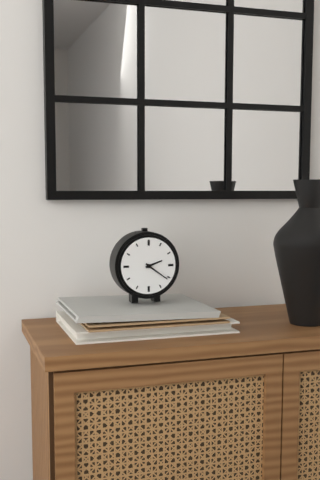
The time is 2:21
